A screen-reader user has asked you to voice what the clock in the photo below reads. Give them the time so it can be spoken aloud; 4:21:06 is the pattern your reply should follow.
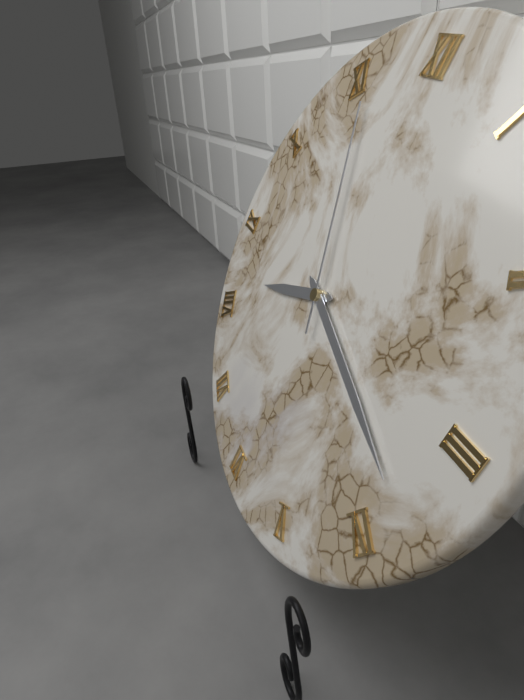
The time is 8:18:56
